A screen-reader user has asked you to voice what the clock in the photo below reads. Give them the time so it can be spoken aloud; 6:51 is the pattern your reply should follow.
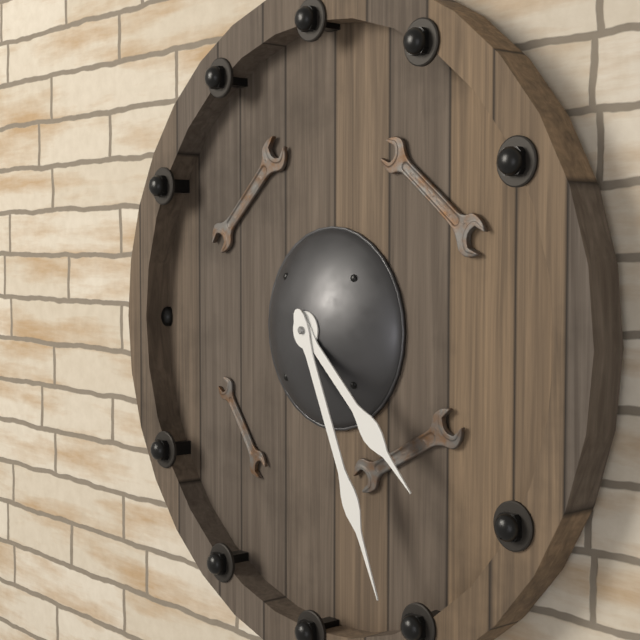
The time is 4:26
